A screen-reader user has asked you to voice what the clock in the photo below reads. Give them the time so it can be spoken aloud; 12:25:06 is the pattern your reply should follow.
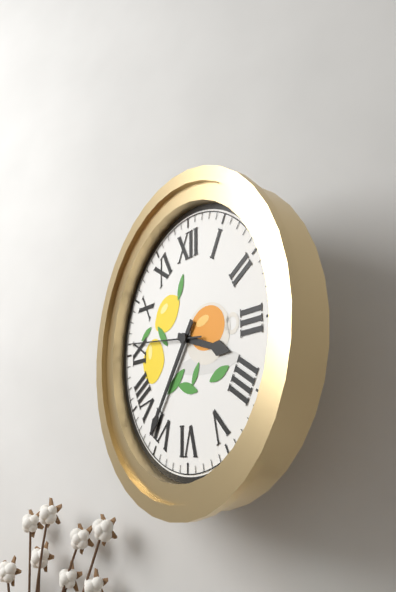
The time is 3:36:46
